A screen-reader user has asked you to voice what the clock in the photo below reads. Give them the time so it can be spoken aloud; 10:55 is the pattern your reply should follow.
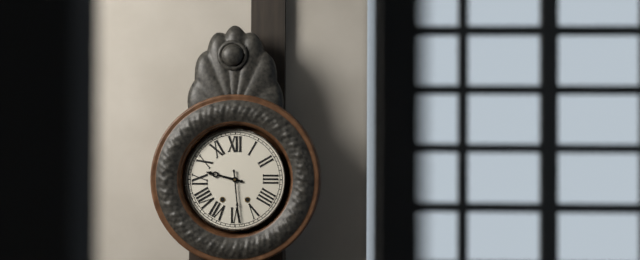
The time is 9:29
